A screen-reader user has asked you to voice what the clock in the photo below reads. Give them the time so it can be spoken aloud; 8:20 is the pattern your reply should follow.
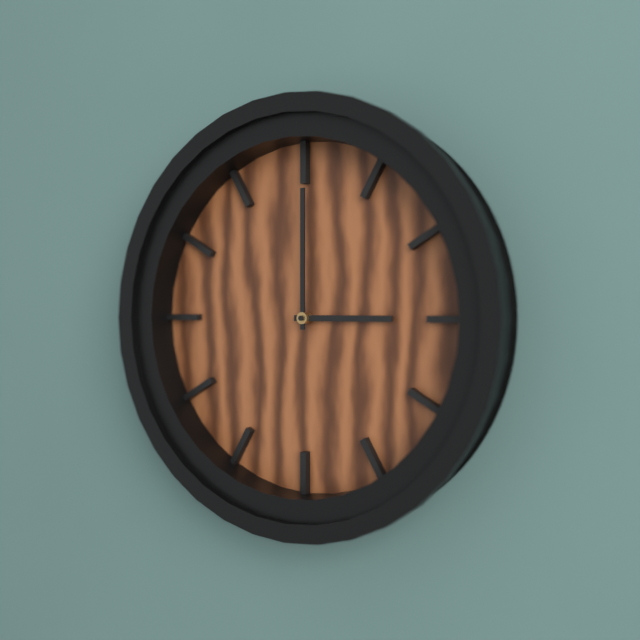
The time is 3:00
